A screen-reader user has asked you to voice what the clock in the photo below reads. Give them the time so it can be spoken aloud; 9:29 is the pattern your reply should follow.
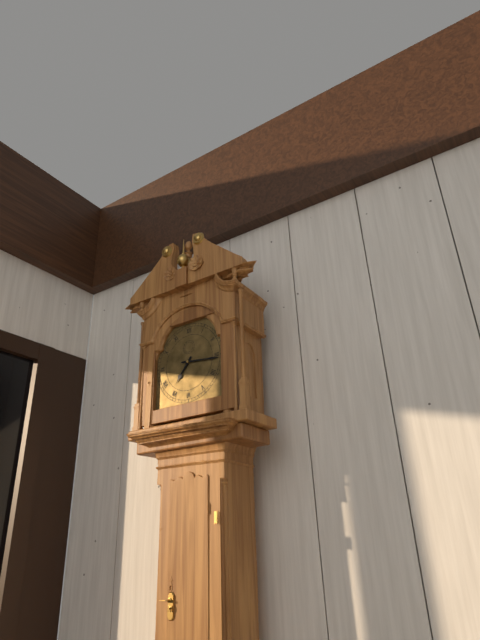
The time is 7:16
